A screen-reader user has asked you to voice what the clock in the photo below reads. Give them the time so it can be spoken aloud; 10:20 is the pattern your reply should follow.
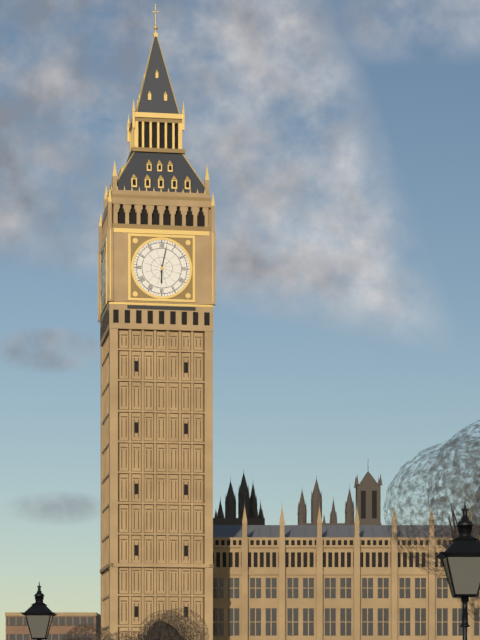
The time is 6:02
